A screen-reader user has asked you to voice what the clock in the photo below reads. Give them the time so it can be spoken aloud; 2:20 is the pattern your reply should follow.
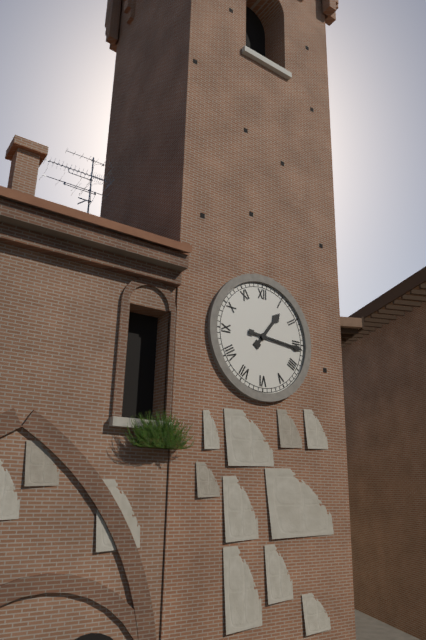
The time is 1:16
